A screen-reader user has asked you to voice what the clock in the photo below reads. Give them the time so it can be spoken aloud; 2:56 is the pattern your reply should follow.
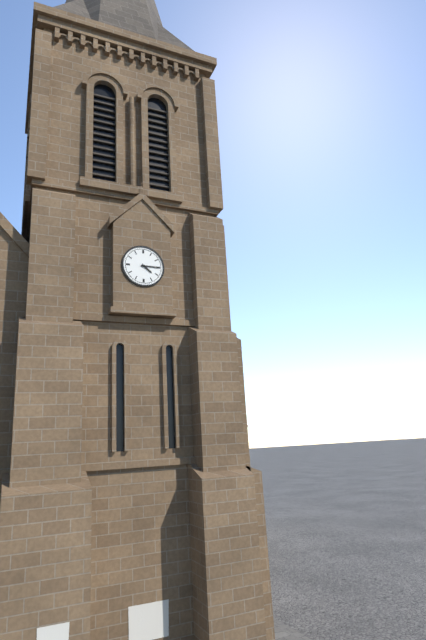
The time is 4:15
